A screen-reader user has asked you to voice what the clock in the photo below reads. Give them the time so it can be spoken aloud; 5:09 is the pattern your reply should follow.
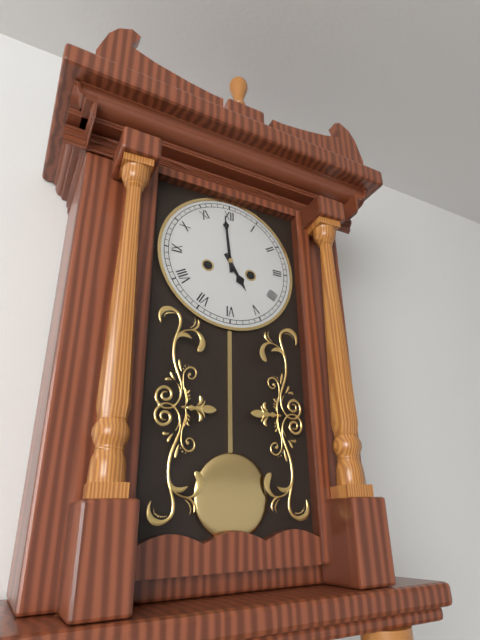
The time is 4:59
